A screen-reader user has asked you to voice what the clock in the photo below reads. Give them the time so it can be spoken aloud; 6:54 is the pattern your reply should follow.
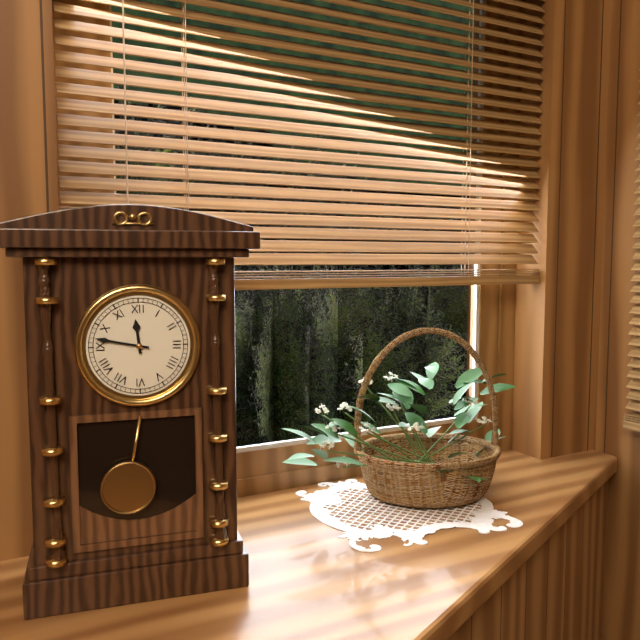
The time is 11:47
